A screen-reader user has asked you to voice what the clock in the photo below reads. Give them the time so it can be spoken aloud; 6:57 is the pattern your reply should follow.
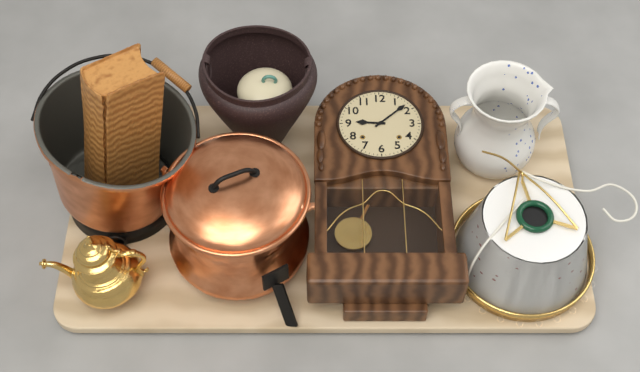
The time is 9:08
